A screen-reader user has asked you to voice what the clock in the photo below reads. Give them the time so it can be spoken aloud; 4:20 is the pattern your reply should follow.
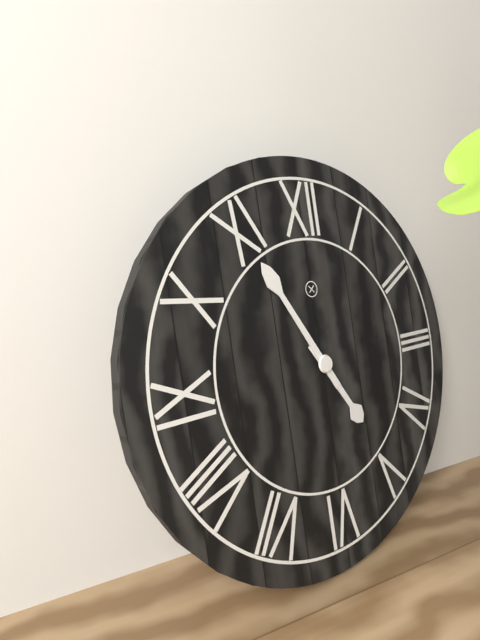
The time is 4:55
